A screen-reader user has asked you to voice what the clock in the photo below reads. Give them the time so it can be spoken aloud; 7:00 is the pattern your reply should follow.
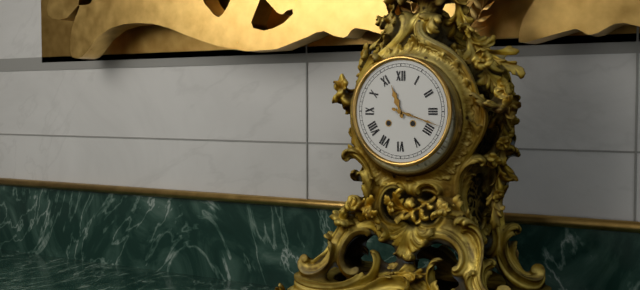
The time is 11:18
